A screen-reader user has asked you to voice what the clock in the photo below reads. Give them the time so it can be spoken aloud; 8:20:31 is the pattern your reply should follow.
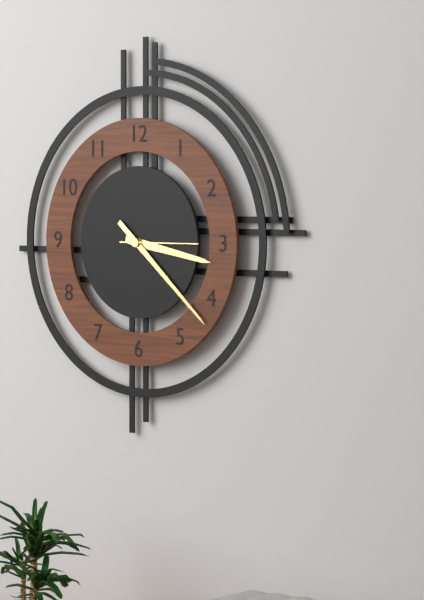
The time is 3:22:15
